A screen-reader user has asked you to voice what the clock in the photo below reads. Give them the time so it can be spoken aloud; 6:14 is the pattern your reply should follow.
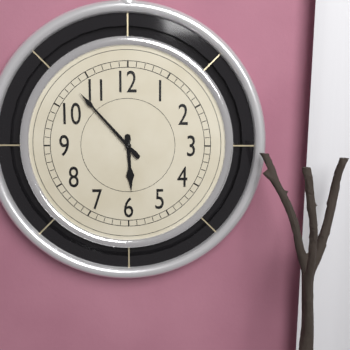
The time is 5:53
